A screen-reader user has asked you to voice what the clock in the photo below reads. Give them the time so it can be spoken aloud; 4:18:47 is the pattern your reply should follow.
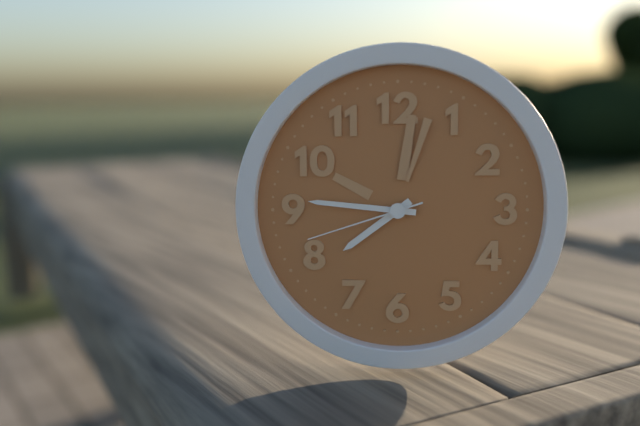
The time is 7:46:42
